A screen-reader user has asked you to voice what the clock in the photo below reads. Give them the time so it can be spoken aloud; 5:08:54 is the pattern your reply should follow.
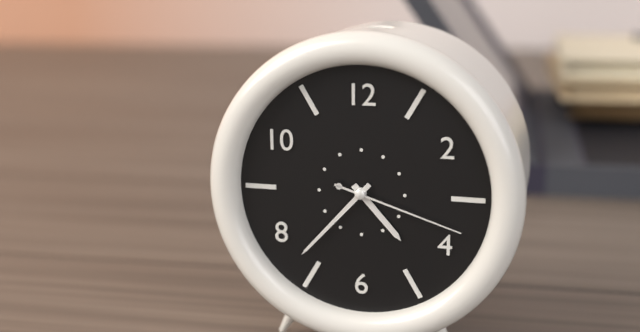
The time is 4:37:18
